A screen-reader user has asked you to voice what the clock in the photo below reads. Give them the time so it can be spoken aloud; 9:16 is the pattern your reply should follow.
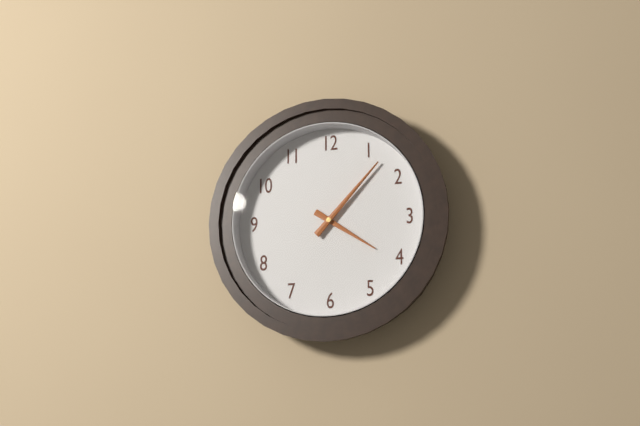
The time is 4:07
